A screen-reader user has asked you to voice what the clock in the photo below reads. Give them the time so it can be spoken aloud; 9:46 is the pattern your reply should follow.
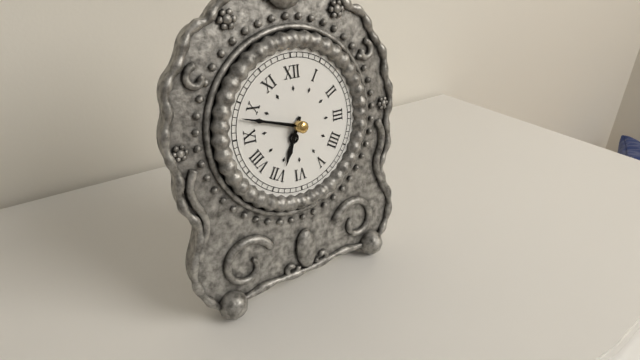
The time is 6:48
